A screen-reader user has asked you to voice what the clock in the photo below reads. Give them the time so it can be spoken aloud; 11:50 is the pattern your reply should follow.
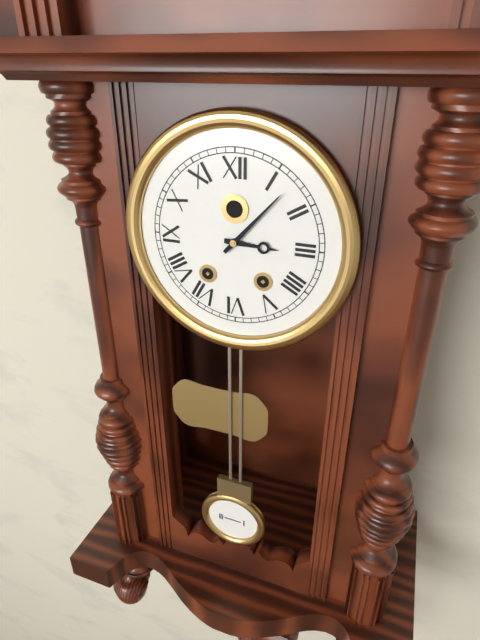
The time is 3:07
